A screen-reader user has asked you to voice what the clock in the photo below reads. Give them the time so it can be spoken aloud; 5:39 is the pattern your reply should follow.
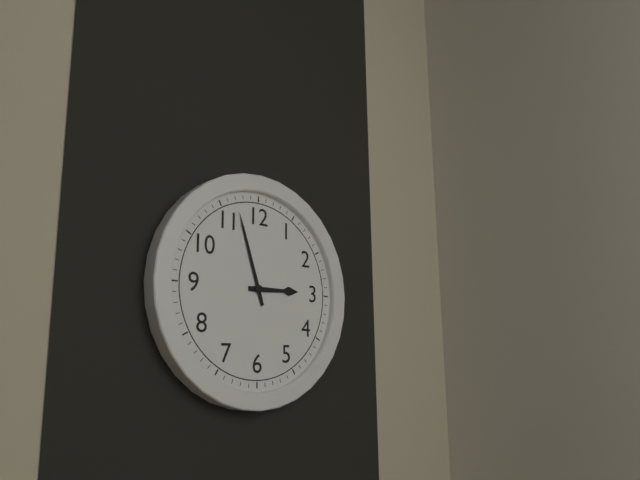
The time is 2:57
